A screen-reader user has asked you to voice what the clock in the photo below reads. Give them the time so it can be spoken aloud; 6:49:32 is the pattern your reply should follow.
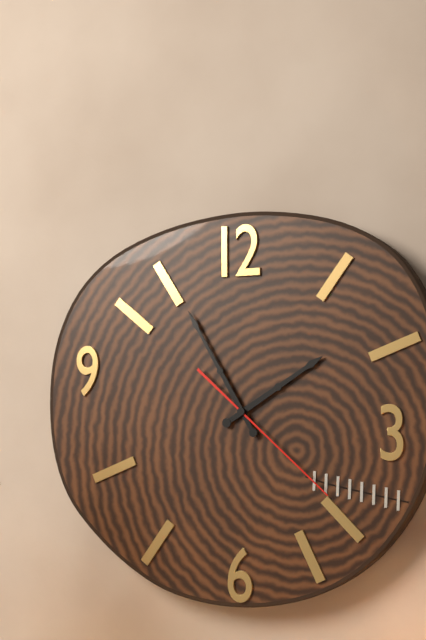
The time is 1:55:22
